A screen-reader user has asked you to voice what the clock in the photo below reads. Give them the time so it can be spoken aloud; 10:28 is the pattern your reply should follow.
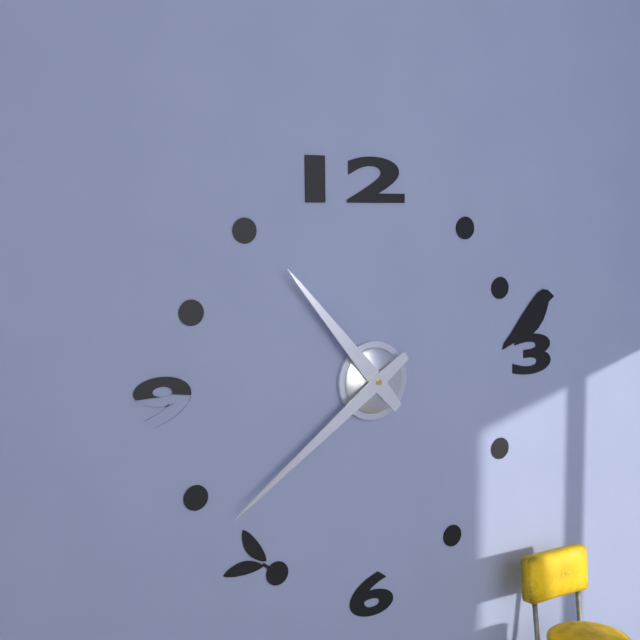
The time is 10:39
